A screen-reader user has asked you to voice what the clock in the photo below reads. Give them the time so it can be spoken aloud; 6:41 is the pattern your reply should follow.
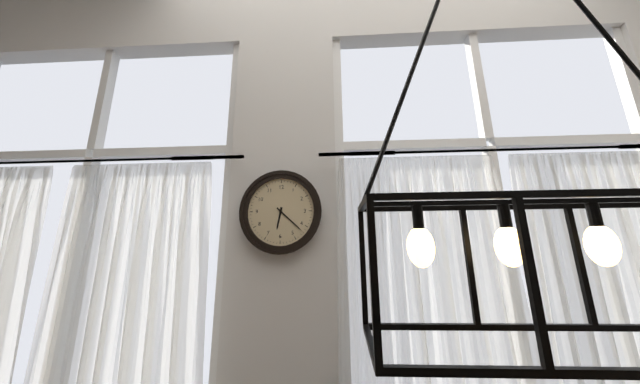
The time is 6:22
